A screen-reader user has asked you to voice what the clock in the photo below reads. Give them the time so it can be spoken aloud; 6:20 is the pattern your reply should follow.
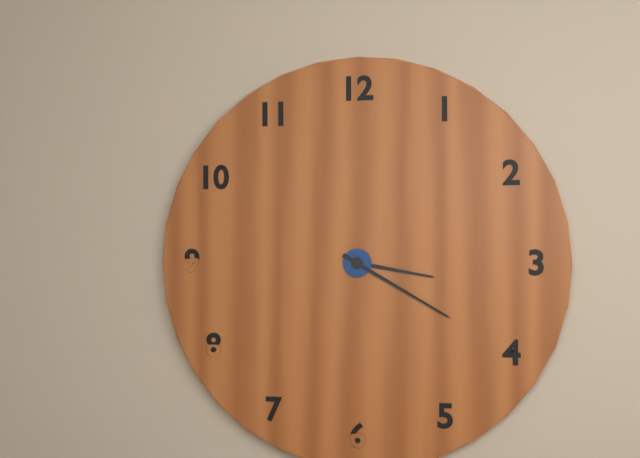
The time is 3:20
